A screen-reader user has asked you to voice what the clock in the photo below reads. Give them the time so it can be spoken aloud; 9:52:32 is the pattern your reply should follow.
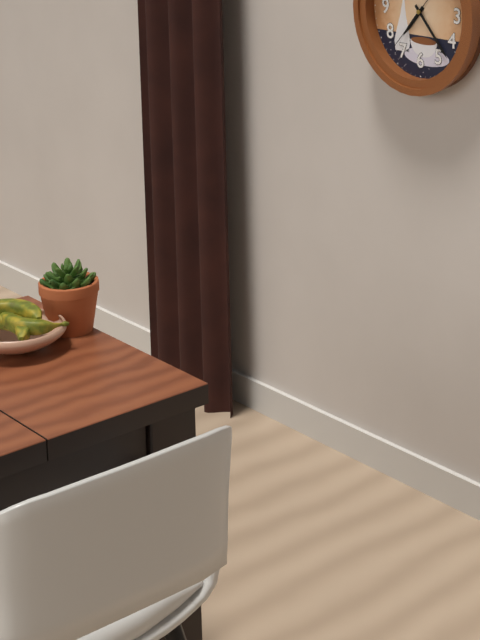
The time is 7:23:37
